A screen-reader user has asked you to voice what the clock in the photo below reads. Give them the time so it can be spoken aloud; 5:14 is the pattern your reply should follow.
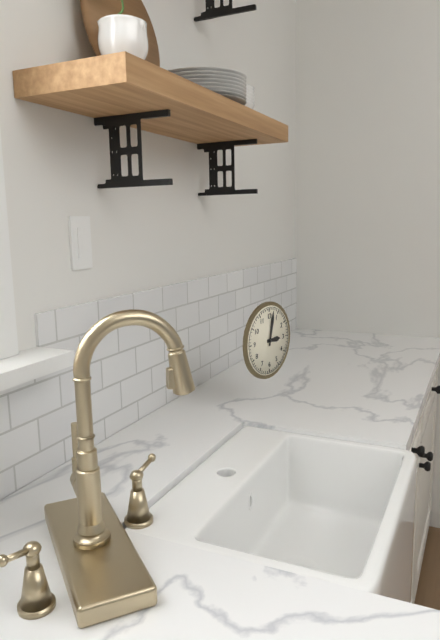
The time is 3:02
